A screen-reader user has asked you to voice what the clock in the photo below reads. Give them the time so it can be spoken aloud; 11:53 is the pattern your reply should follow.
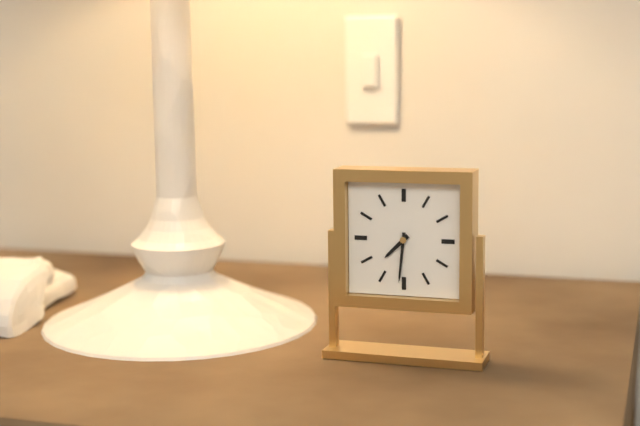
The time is 7:31
